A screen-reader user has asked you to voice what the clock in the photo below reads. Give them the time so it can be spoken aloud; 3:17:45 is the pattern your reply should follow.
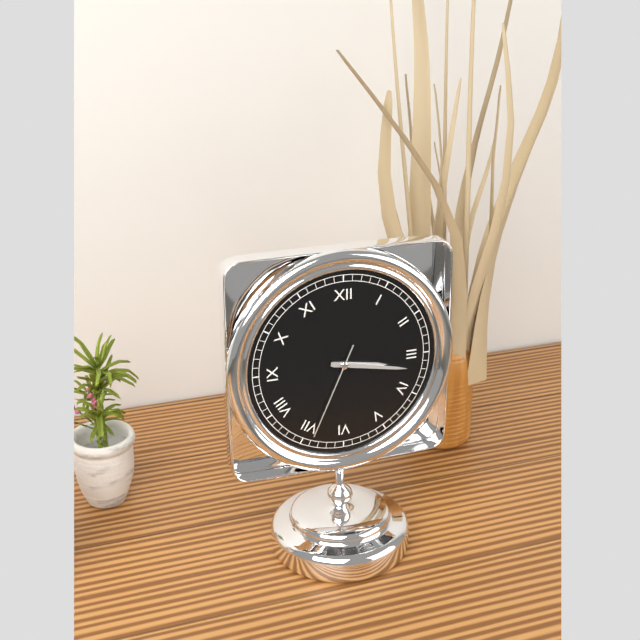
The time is 3:17:34
